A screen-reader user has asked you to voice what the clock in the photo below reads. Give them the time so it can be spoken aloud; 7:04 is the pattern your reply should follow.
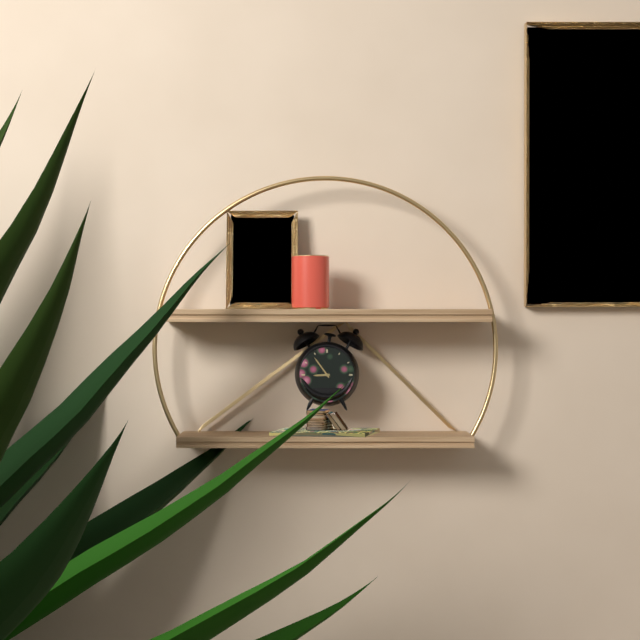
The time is 8:54
